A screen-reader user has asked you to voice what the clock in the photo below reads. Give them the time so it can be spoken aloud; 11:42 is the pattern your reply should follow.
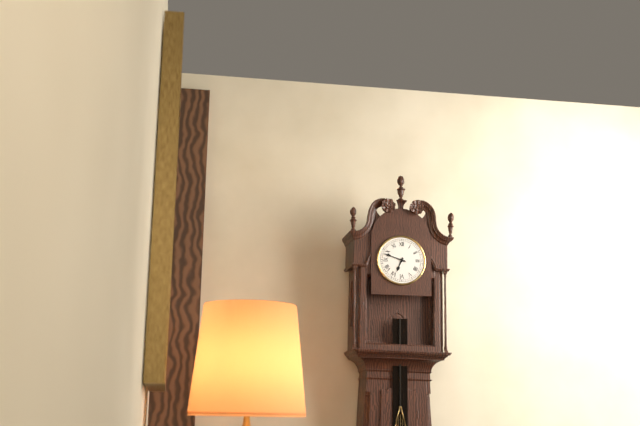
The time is 6:48
